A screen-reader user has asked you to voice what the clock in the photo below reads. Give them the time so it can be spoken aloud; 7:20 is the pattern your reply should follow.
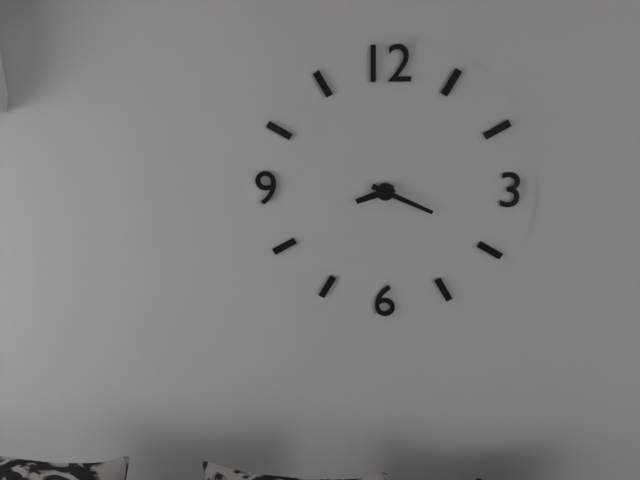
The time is 8:19
